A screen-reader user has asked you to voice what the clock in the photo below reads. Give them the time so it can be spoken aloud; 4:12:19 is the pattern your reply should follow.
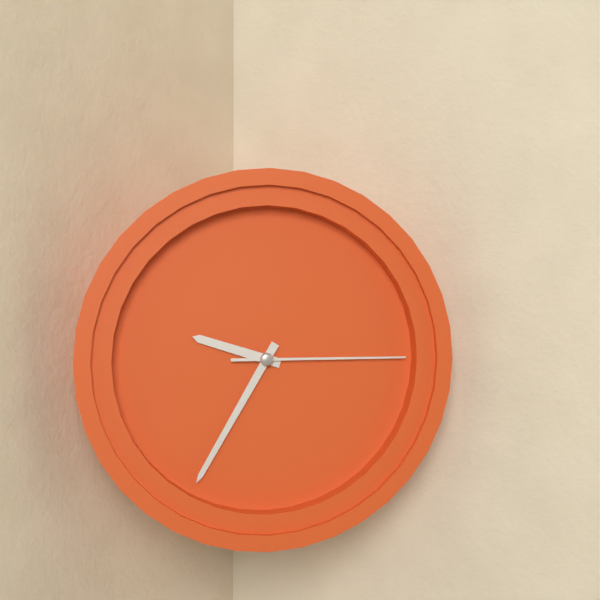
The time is 9:35:15
